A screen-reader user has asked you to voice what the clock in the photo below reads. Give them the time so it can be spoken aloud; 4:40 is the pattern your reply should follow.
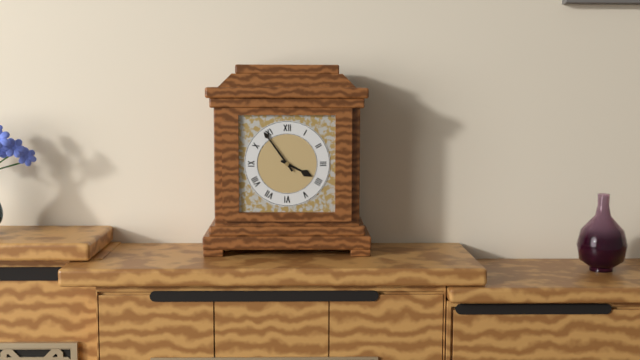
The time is 3:54
